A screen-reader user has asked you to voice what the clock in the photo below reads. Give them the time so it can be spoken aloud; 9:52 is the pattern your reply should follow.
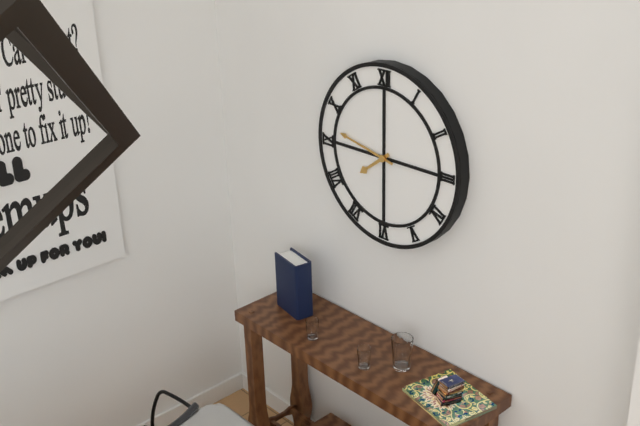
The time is 7:47
